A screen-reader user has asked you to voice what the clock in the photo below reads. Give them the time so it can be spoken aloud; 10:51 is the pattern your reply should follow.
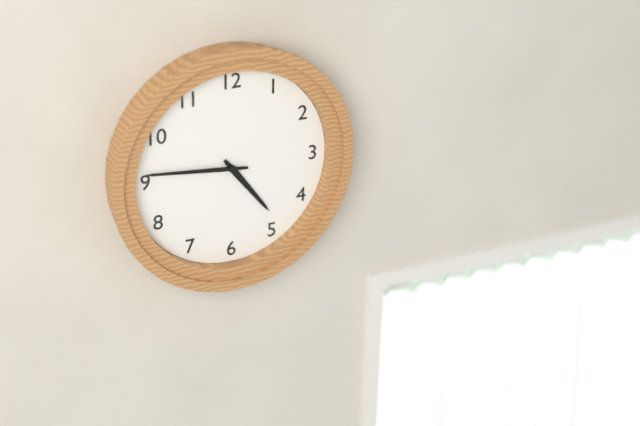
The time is 4:46
